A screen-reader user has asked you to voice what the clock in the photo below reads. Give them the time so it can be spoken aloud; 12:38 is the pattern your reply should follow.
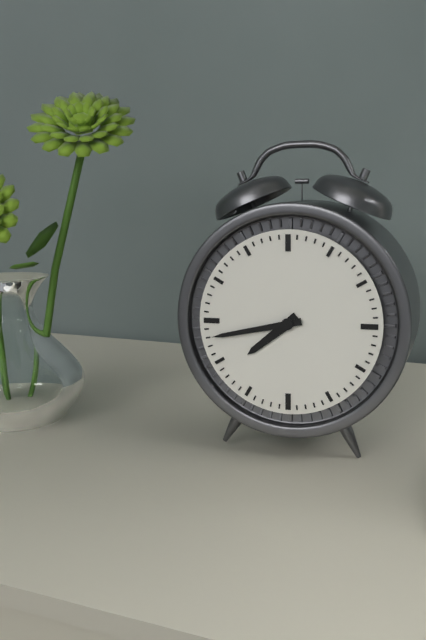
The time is 7:43
